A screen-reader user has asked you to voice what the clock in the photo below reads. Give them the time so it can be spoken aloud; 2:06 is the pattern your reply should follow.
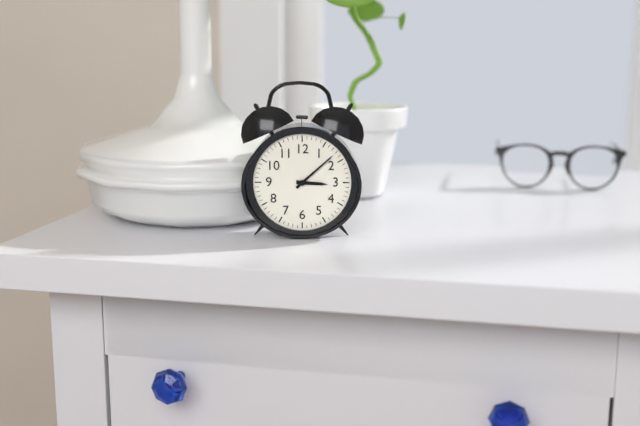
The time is 3:08
